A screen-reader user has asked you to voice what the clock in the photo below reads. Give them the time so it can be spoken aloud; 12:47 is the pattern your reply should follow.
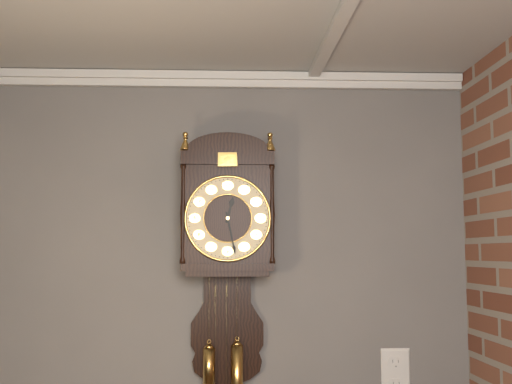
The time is 12:28
